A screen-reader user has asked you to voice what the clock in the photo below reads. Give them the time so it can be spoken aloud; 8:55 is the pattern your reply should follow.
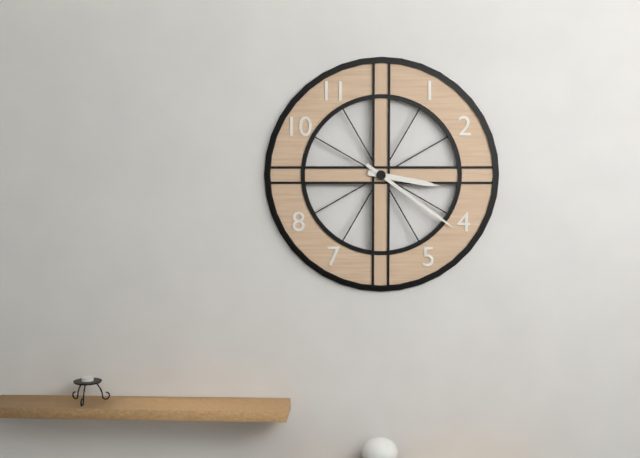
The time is 3:21
